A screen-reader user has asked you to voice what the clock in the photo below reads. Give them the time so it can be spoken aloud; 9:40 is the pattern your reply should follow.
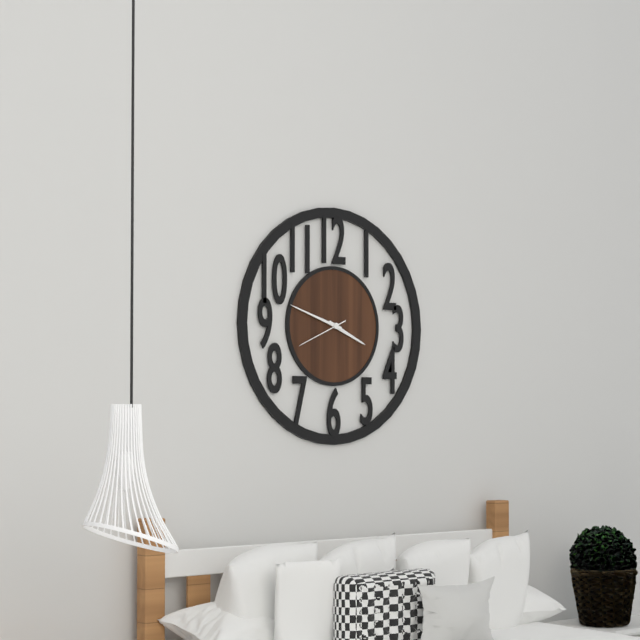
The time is 3:48
